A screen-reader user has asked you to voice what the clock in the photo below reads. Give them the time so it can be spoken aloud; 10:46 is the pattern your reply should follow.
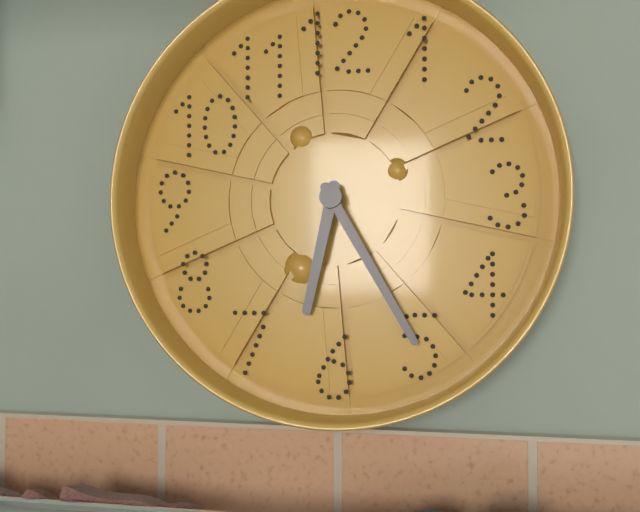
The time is 6:25
